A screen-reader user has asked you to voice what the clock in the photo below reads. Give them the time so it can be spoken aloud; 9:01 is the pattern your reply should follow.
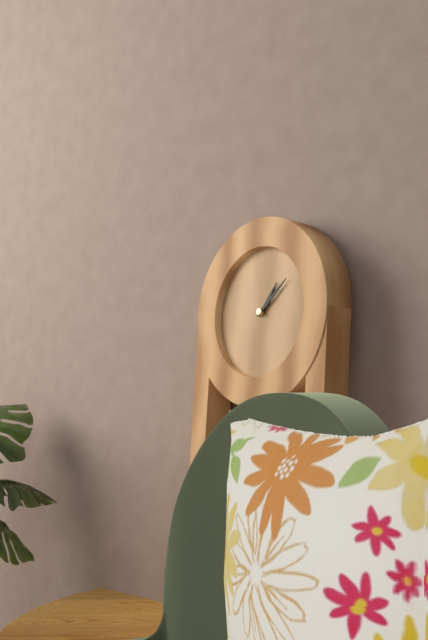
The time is 1:08
